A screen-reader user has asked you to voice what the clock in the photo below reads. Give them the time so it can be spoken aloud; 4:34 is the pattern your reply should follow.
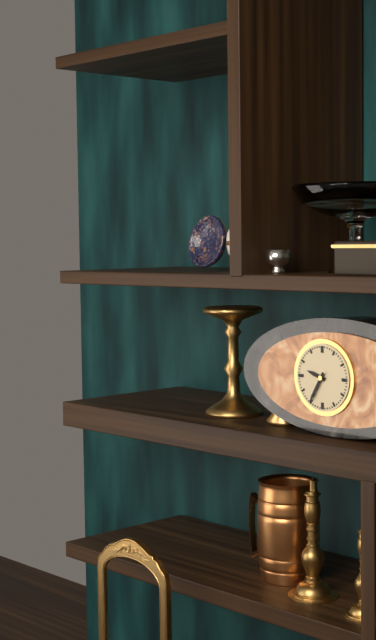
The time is 9:35
